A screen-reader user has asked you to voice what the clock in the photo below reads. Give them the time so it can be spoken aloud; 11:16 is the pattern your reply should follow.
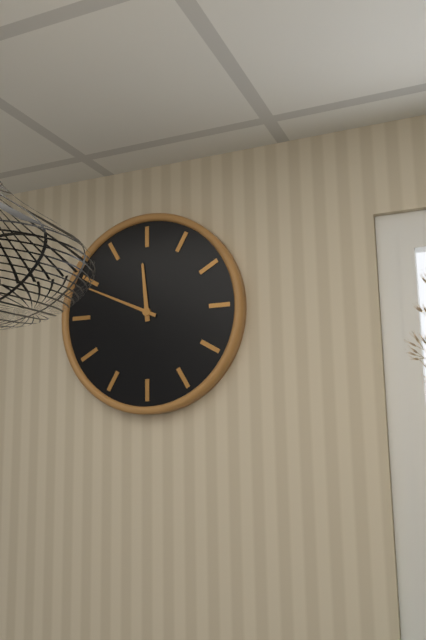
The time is 11:49
